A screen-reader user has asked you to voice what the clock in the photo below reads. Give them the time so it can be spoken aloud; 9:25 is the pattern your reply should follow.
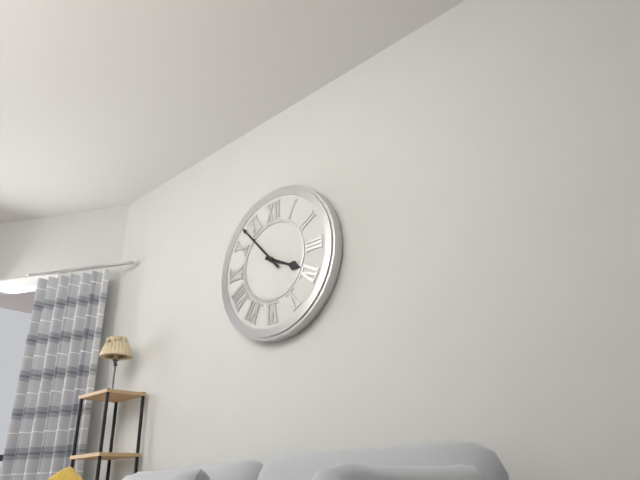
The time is 3:53
